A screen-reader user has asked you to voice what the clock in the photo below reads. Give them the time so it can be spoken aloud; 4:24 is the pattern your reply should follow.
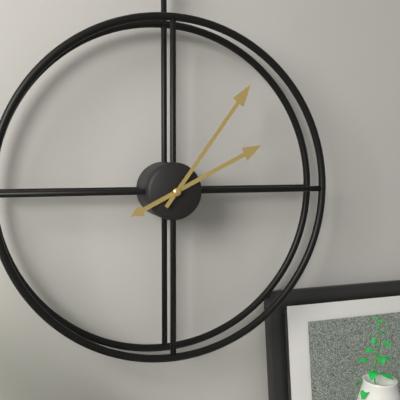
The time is 2:06
